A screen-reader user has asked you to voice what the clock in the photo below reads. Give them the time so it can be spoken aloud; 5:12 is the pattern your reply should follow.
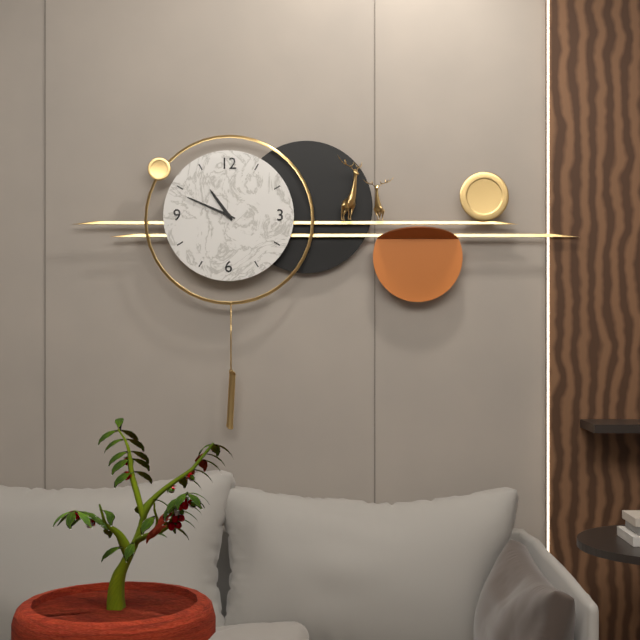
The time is 10:49
